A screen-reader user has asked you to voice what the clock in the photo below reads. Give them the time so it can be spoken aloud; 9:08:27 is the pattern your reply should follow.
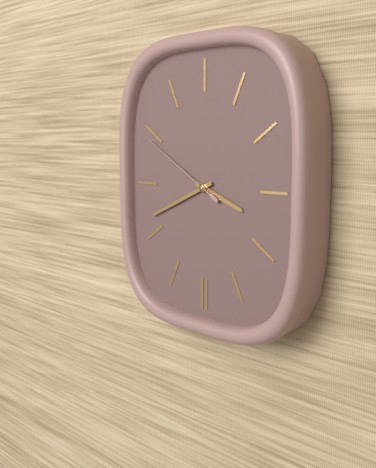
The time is 3:41:50
